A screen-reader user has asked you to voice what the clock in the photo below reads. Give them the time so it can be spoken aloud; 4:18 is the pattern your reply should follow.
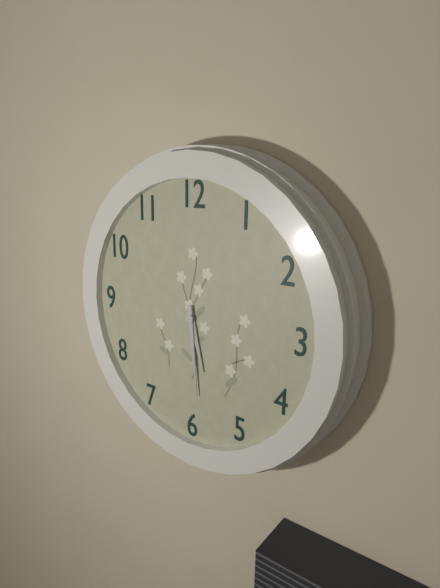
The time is 5:29
